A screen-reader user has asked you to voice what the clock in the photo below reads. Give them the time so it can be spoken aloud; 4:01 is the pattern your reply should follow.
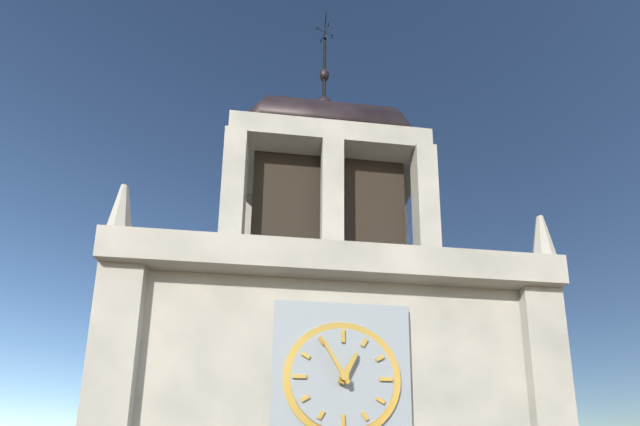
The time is 12:55
